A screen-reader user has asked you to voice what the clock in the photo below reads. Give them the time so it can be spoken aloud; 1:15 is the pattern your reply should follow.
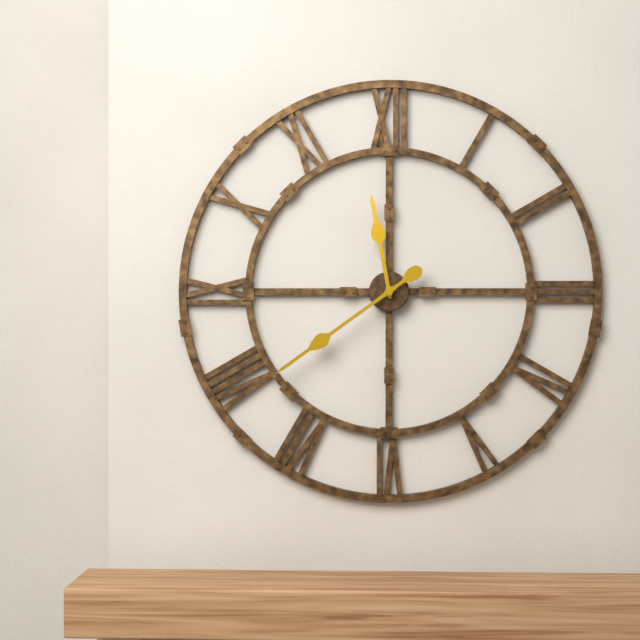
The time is 11:39
